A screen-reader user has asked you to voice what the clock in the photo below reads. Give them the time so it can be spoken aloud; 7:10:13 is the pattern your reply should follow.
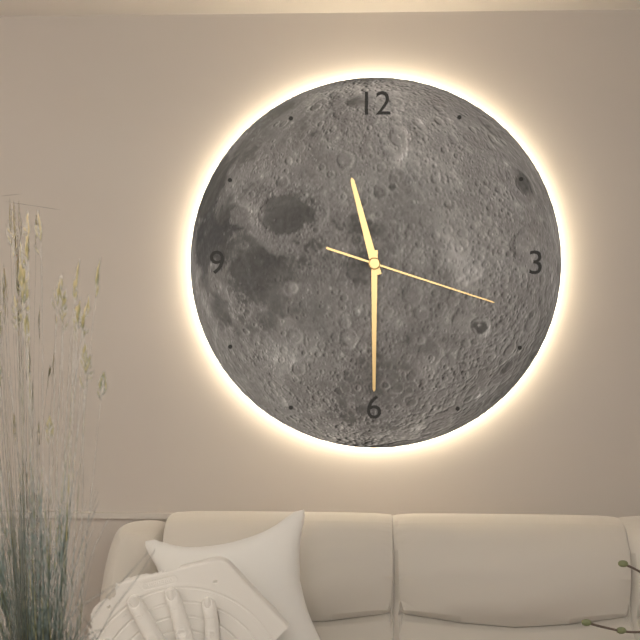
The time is 11:30:18
